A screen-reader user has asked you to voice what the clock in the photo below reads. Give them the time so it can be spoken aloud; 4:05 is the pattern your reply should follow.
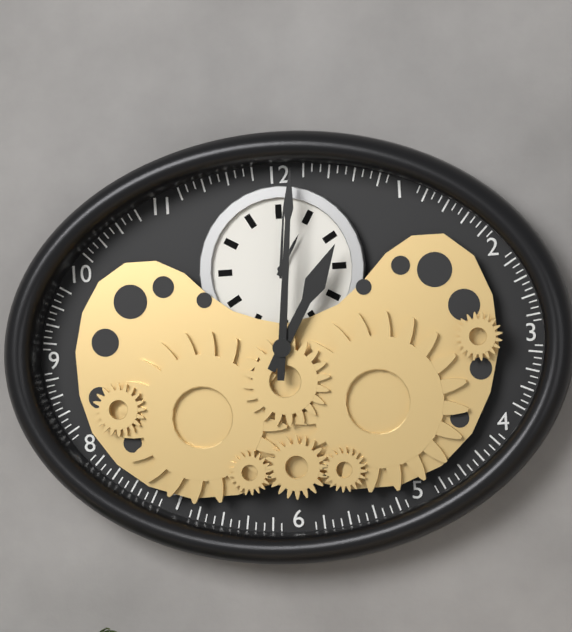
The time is 1:01
